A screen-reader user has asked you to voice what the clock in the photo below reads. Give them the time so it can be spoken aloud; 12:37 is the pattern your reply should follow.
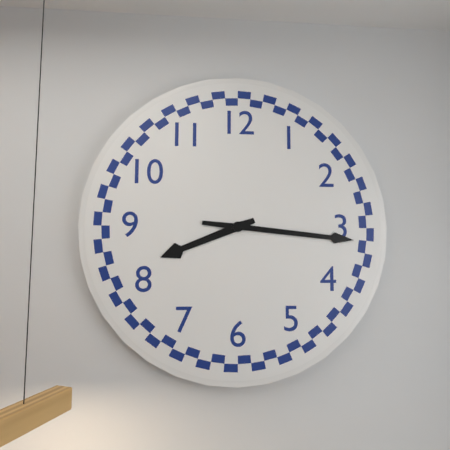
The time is 8:16
